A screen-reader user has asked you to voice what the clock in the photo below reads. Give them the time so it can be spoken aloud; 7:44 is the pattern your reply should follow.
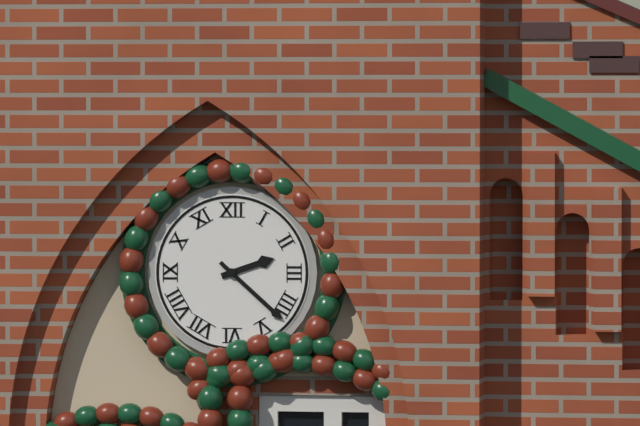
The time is 2:22
